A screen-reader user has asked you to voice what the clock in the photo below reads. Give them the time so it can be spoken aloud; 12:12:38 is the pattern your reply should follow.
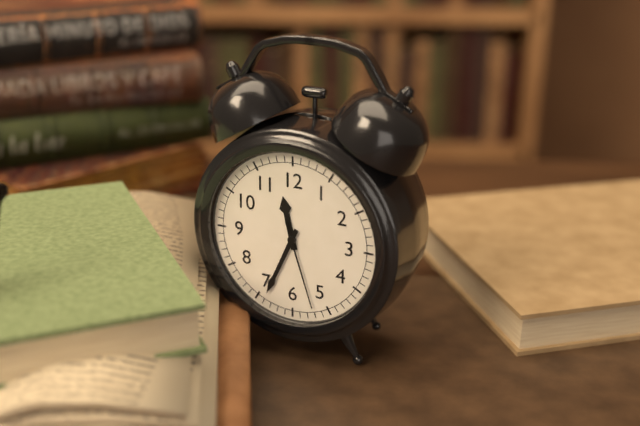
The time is 11:34:27
